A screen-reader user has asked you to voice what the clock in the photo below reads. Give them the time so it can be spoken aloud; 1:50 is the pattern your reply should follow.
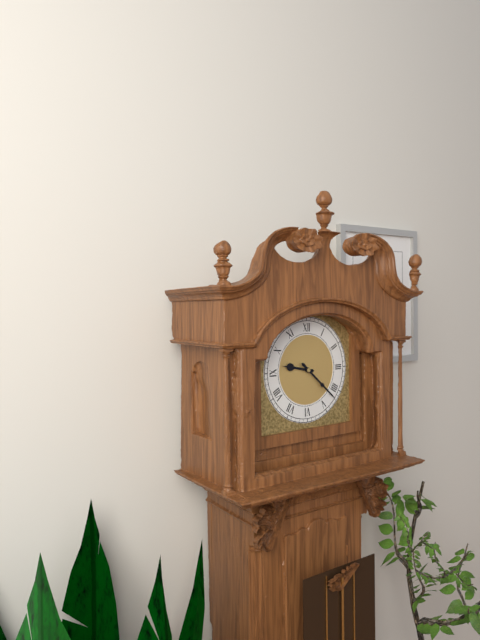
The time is 9:22
